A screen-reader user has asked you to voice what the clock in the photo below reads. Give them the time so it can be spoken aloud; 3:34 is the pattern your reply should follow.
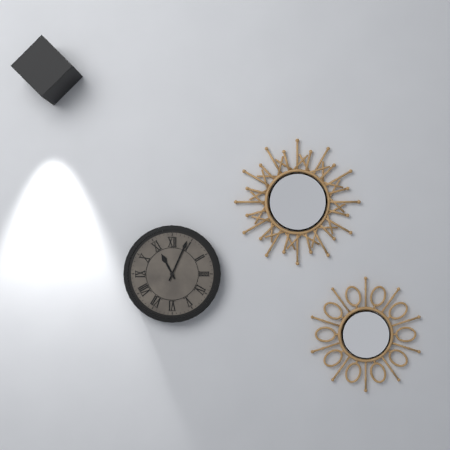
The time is 11:04
